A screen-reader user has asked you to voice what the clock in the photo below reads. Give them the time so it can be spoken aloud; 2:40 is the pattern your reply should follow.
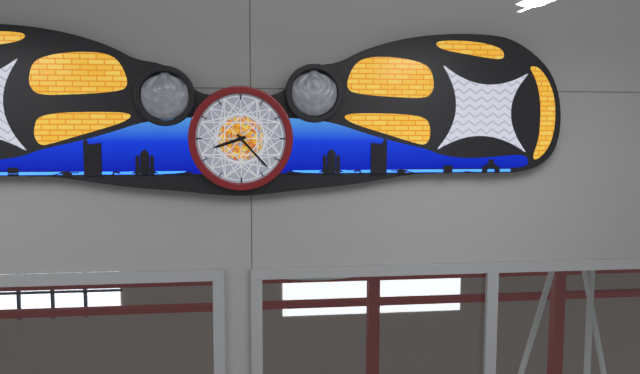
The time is 8:23
